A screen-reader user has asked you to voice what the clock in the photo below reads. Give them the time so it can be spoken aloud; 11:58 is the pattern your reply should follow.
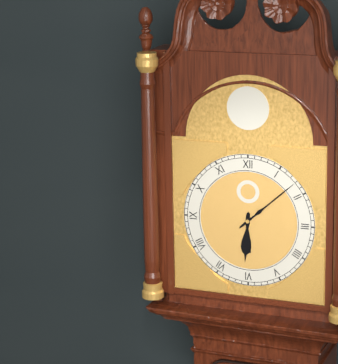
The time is 6:08
